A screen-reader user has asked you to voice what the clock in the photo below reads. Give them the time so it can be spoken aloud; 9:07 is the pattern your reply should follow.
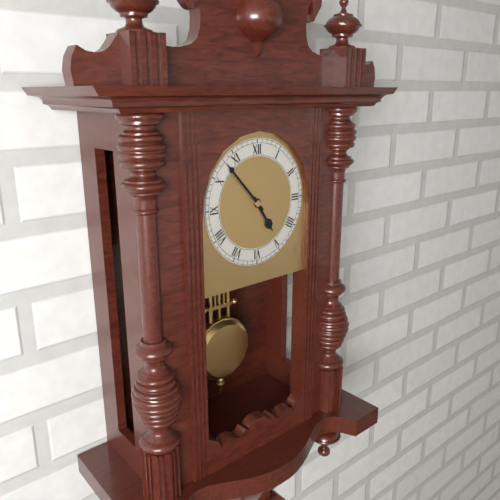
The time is 4:53
